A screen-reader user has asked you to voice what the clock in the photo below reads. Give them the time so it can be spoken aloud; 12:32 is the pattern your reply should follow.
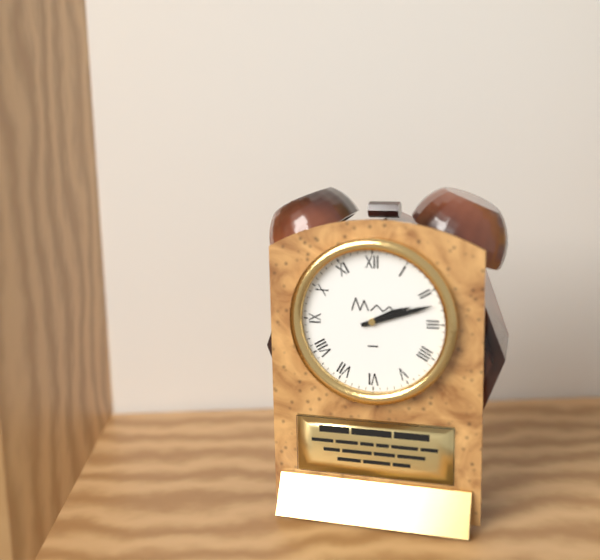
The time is 2:12
